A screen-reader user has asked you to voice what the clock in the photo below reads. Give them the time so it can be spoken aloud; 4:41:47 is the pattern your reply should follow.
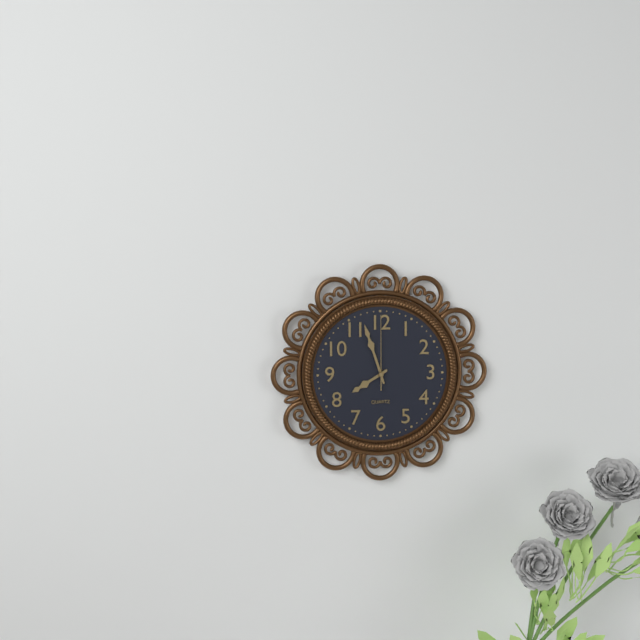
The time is 7:57:00
